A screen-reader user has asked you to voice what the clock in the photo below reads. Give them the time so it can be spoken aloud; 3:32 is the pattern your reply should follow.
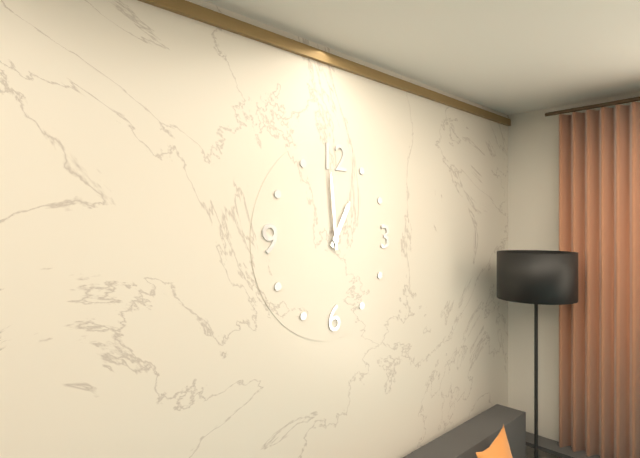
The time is 12:59
